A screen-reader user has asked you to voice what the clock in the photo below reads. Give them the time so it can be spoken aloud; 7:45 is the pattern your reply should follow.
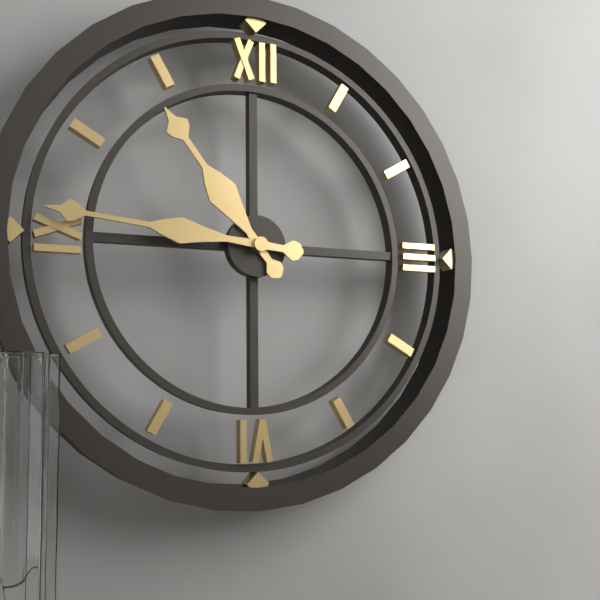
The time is 10:46
